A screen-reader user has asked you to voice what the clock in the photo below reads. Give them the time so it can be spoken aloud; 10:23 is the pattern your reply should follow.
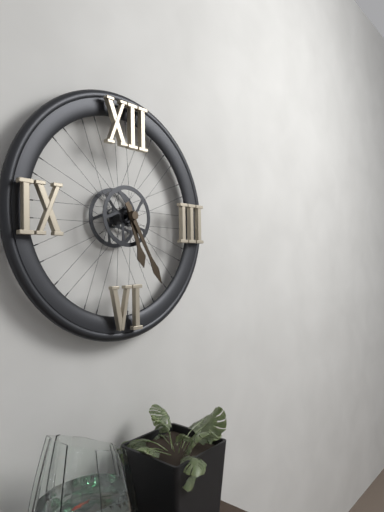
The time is 5:25
